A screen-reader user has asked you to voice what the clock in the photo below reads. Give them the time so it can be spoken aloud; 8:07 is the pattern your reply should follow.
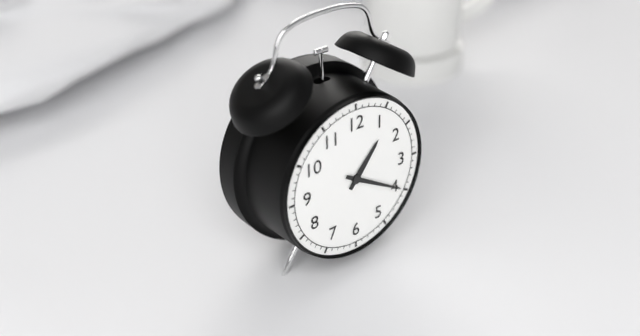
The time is 1:20
